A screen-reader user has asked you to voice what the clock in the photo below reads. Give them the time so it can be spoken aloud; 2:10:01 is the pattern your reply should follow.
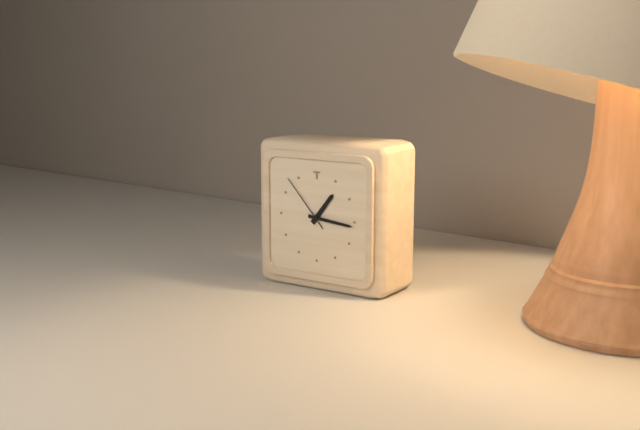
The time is 1:16:53
